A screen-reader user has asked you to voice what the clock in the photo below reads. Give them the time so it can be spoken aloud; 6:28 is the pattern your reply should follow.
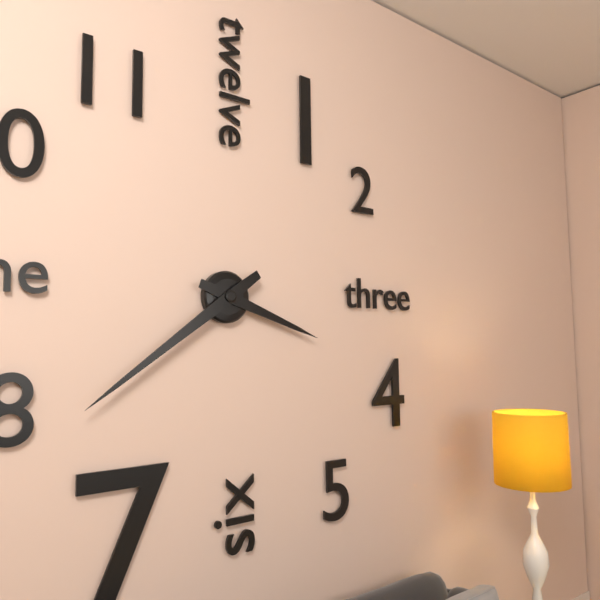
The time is 3:39
